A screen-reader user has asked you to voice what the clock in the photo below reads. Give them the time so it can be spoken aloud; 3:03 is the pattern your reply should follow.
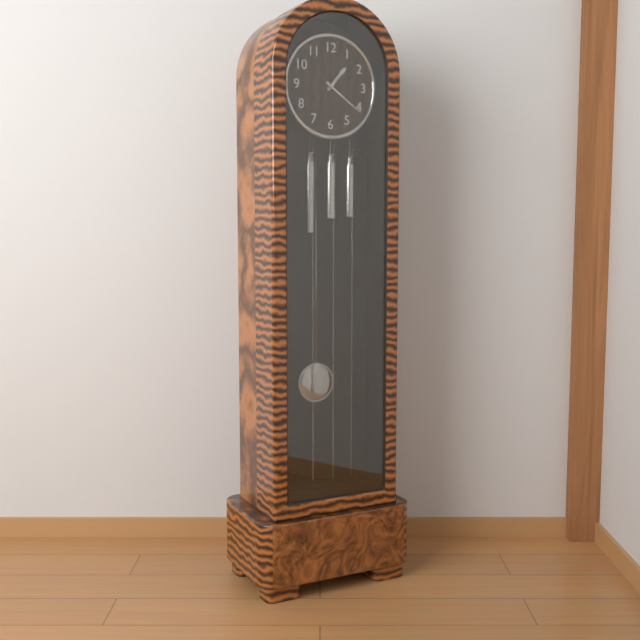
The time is 1:21
